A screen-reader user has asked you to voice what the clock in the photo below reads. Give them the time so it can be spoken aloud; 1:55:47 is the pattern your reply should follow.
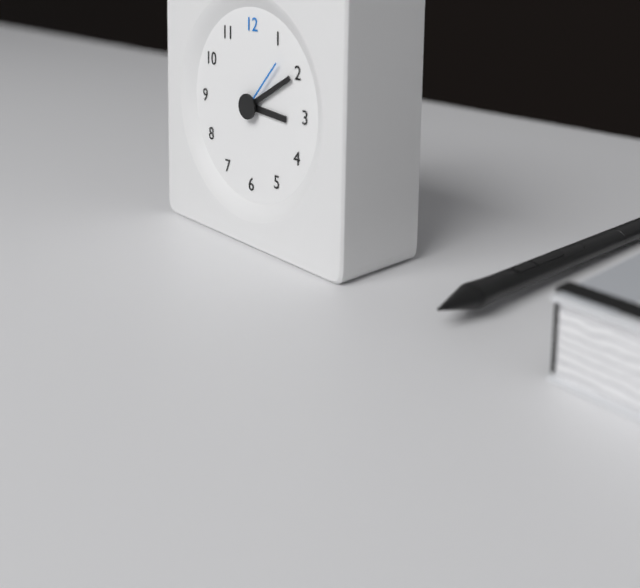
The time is 3:10:07
